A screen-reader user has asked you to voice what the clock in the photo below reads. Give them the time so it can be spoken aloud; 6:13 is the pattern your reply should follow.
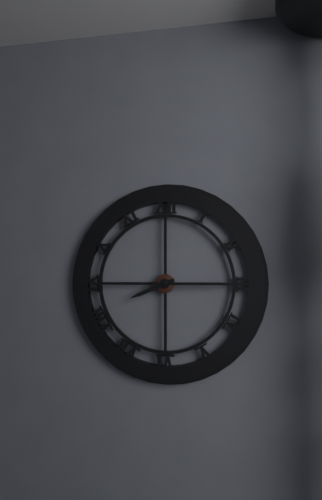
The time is 8:15
